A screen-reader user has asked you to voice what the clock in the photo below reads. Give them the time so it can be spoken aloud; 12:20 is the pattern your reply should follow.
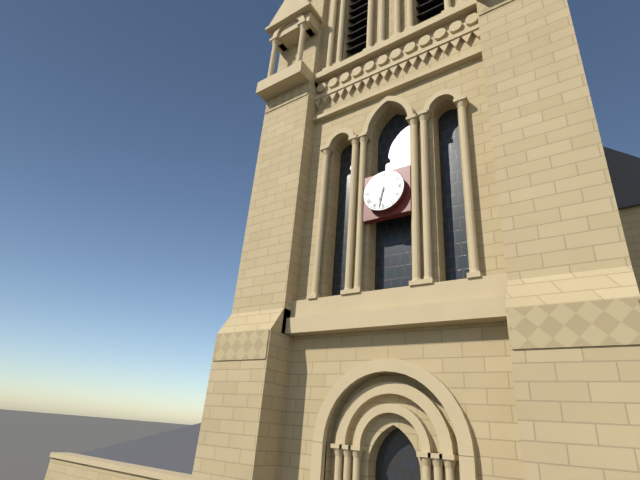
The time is 6:32
